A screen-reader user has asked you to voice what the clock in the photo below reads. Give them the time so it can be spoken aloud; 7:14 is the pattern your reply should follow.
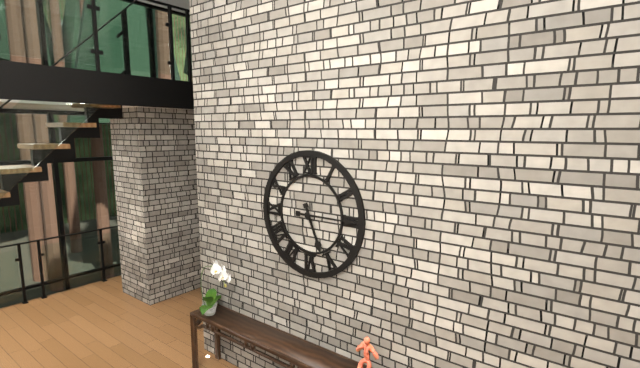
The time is 5:15
